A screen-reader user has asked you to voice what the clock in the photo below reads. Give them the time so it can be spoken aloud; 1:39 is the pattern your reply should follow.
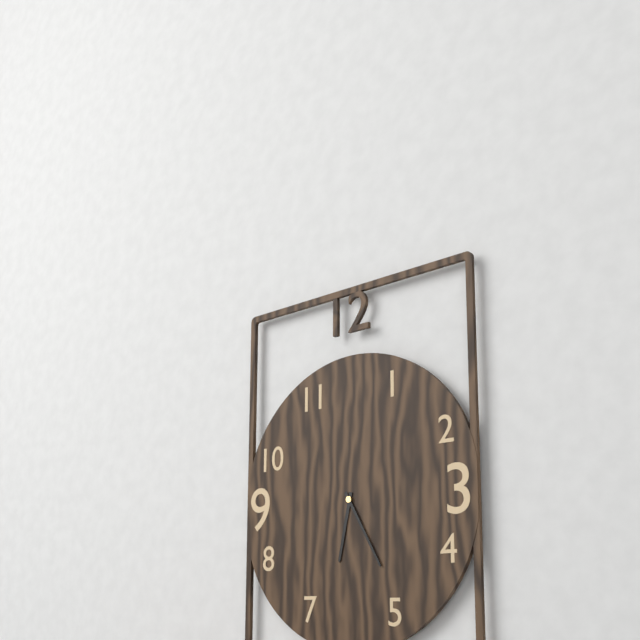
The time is 6:25
